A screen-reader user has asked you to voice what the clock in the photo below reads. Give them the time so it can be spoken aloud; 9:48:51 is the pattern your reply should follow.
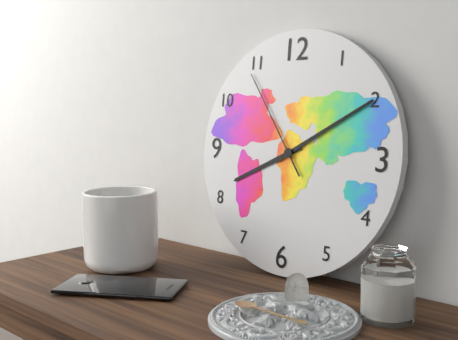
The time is 8:10:54
